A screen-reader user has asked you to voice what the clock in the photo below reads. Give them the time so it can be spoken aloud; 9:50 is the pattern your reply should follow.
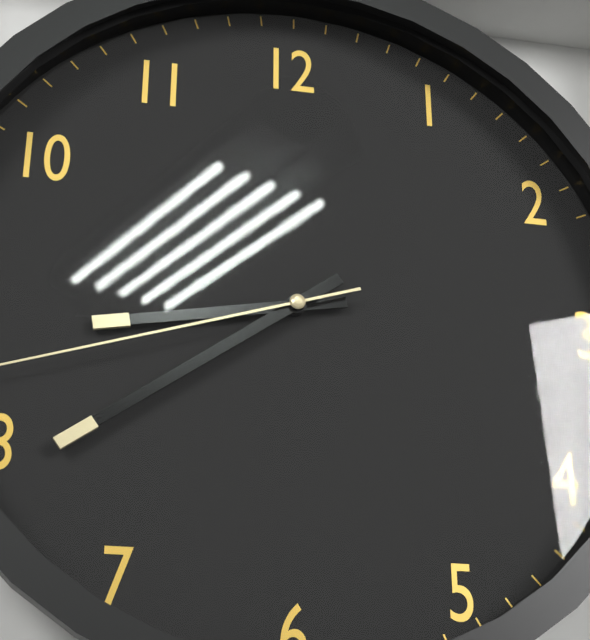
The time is 8:39
